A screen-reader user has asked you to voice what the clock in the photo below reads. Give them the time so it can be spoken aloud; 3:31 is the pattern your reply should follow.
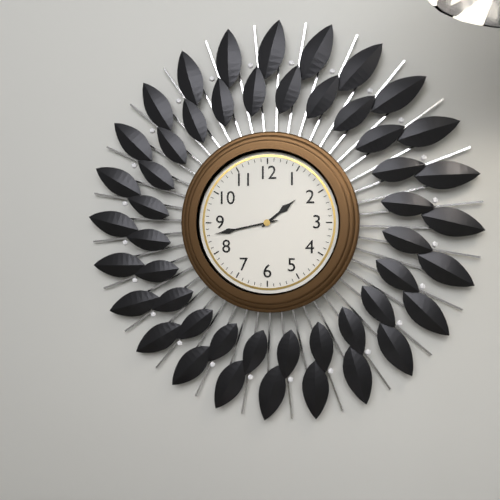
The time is 1:43
